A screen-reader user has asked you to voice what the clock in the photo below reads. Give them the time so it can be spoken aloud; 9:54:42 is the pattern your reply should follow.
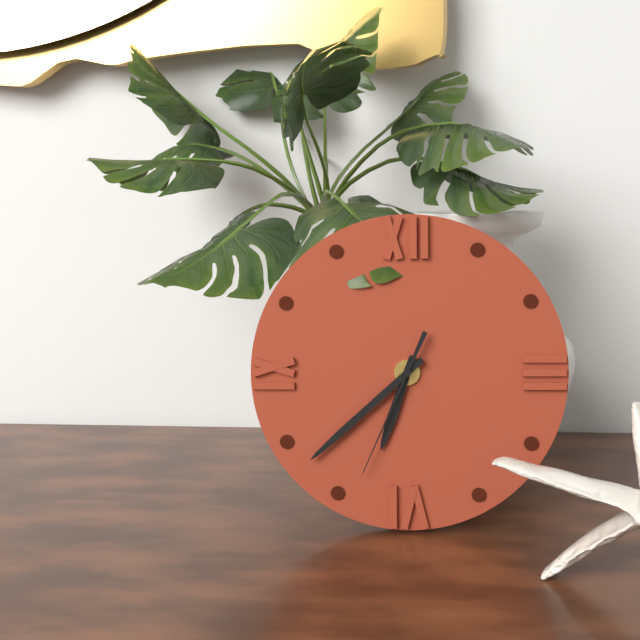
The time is 6:38:34
